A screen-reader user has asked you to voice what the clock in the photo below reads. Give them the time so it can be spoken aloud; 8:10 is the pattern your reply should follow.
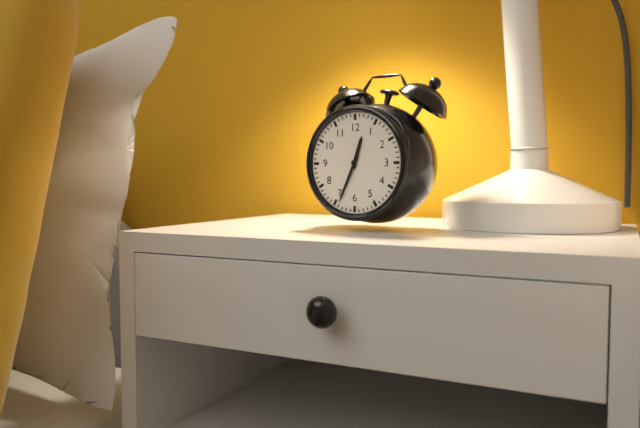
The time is 12:34
